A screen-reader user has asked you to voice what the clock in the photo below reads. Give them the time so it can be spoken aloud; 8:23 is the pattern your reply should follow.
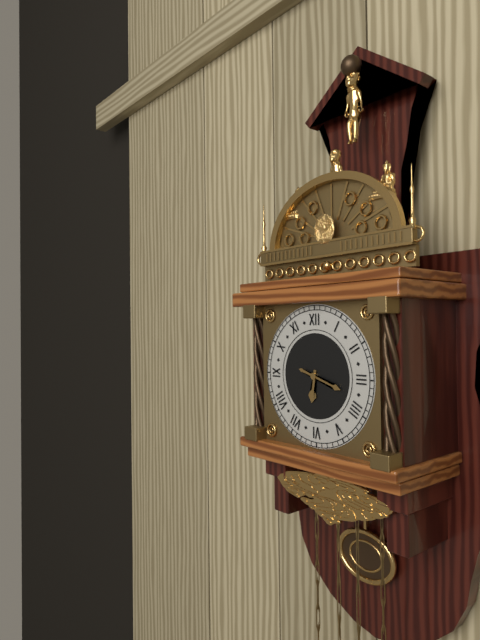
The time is 6:18
